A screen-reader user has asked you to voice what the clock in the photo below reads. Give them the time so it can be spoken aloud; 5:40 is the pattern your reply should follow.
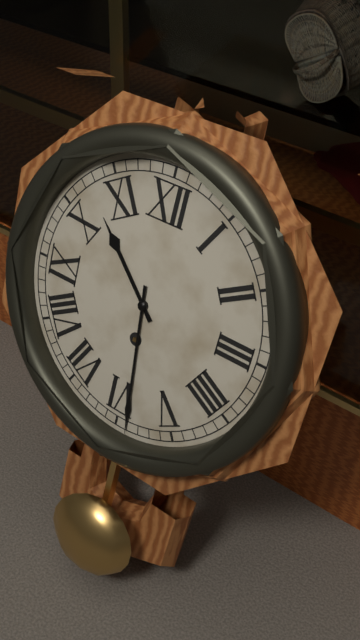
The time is 10:29
